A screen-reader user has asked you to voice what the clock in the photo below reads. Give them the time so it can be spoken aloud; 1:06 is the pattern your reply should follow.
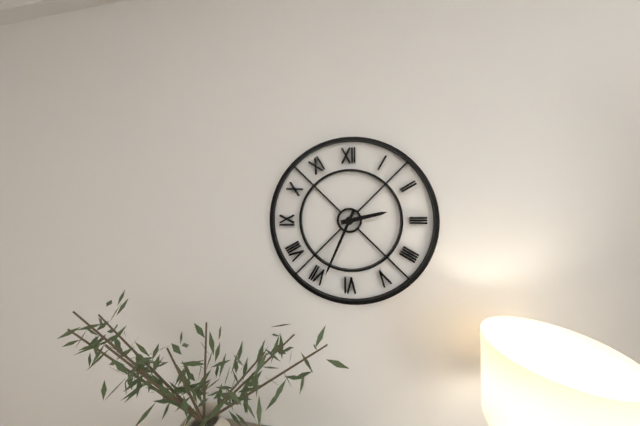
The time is 2:34
